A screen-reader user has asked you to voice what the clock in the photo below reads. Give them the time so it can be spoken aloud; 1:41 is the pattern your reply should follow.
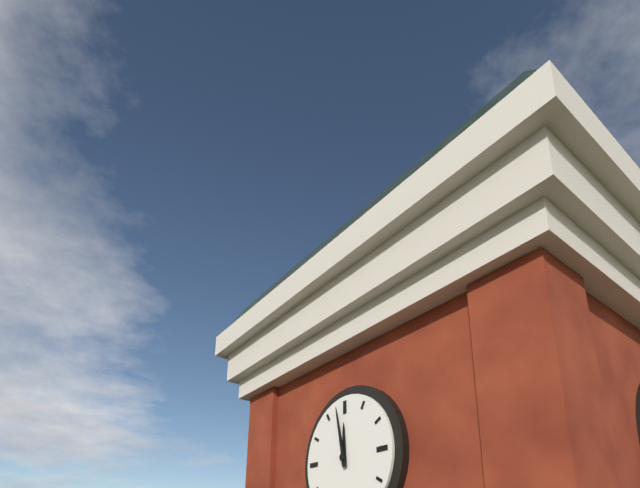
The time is 11:58
